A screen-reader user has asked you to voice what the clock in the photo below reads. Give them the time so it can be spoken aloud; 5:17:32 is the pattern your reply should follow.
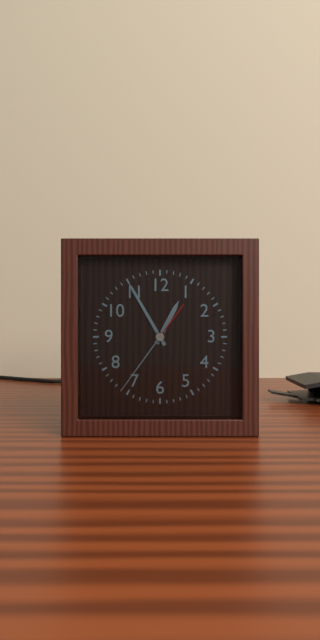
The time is 12:55:36
